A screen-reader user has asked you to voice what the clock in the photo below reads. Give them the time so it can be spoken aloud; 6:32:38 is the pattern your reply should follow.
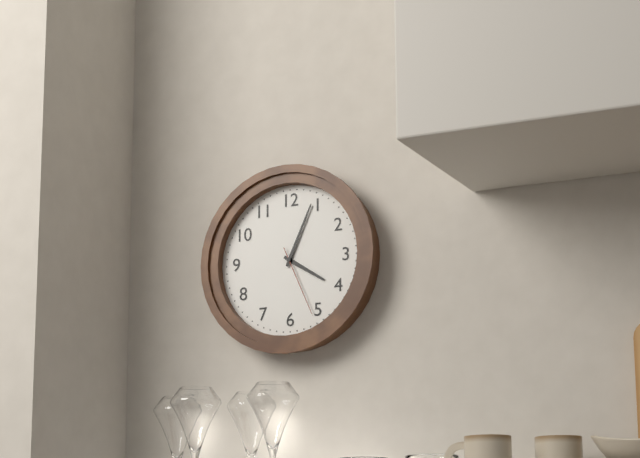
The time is 4:04:26
